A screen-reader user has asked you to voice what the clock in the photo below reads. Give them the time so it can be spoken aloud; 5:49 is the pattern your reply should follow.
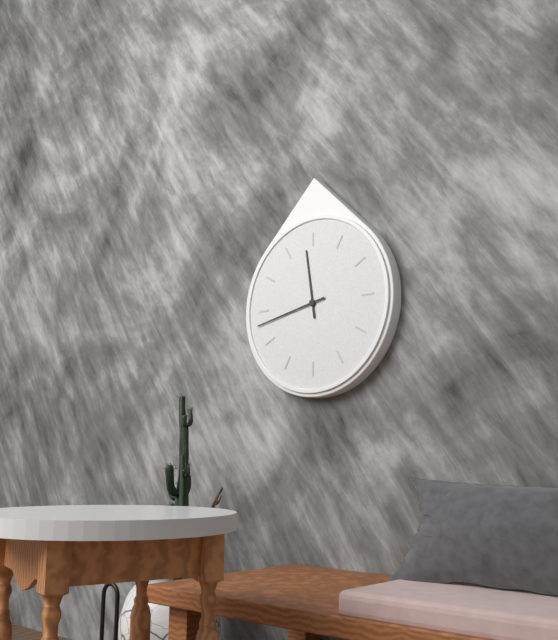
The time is 11:43
